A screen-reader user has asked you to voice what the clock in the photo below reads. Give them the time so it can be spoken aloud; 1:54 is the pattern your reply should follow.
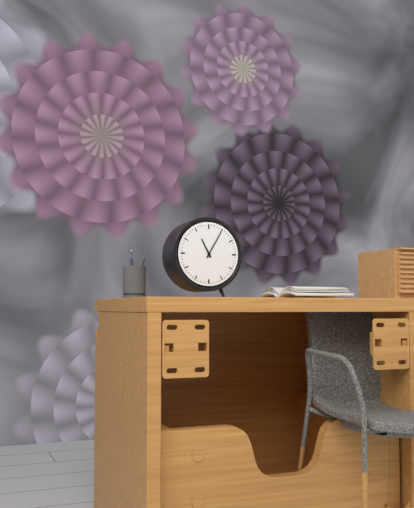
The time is 11:05
